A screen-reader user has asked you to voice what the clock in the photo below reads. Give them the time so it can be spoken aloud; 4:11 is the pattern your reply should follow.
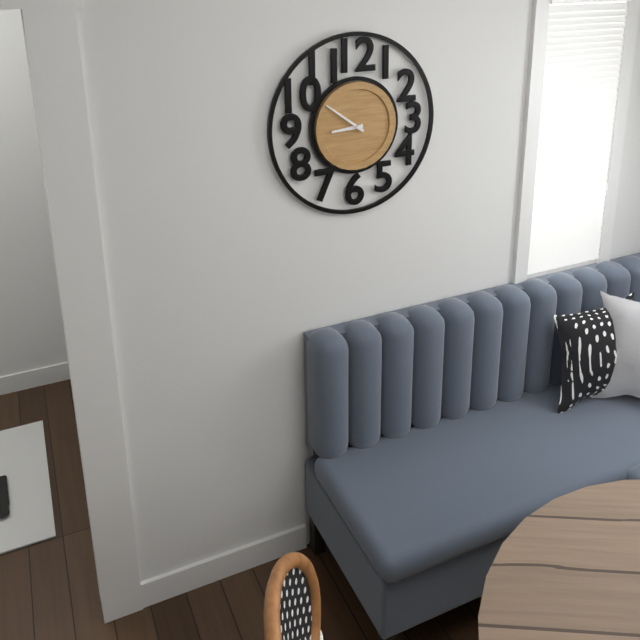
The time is 8:51
